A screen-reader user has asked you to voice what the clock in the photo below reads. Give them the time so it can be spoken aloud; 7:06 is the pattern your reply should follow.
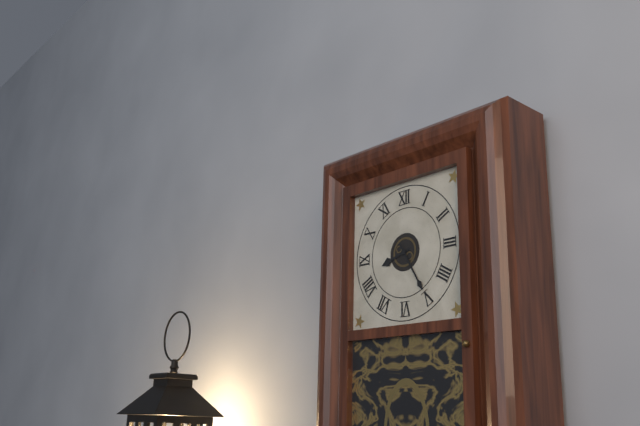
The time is 8:25
